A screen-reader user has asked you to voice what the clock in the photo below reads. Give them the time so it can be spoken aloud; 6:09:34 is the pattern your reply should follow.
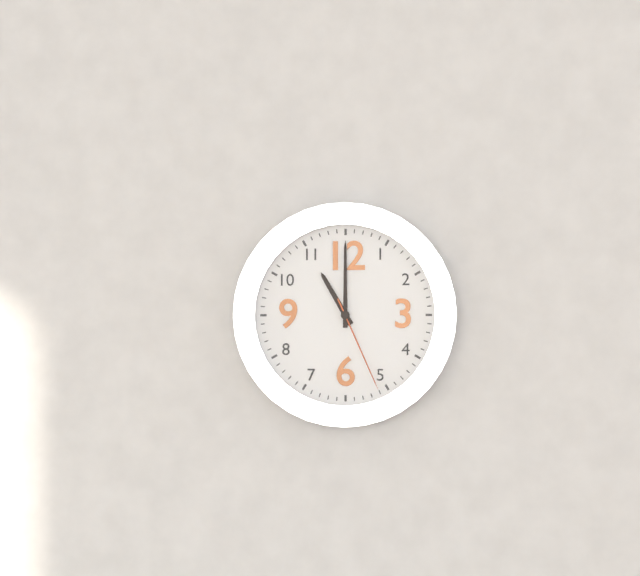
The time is 11:00:26
